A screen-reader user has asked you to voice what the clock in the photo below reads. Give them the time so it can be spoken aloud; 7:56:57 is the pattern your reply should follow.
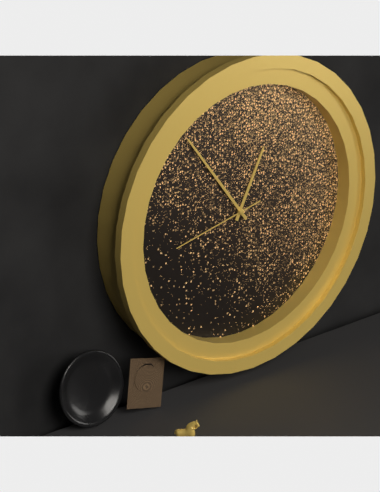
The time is 12:54:43
